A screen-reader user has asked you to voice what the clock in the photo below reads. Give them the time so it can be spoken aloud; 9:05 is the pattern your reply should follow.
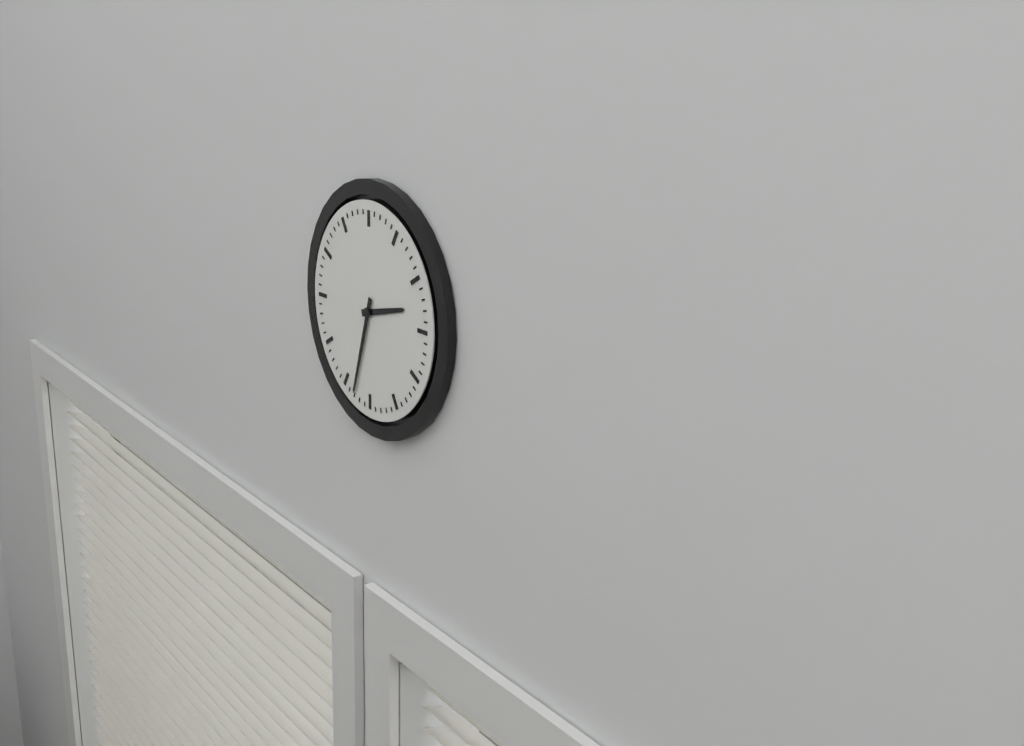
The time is 2:33
